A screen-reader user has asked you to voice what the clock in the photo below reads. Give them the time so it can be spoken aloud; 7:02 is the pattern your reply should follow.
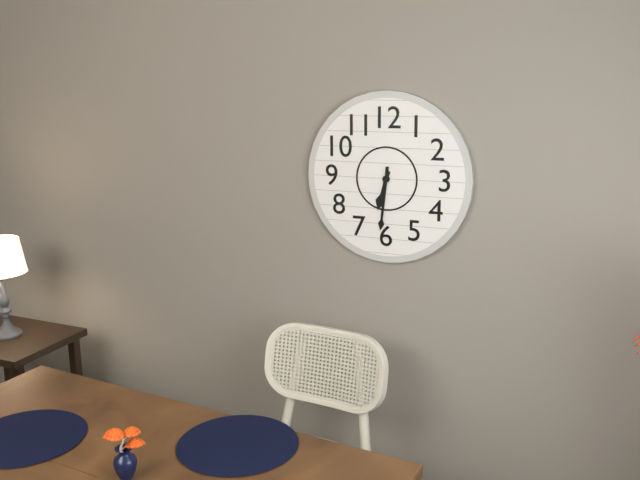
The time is 6:31
